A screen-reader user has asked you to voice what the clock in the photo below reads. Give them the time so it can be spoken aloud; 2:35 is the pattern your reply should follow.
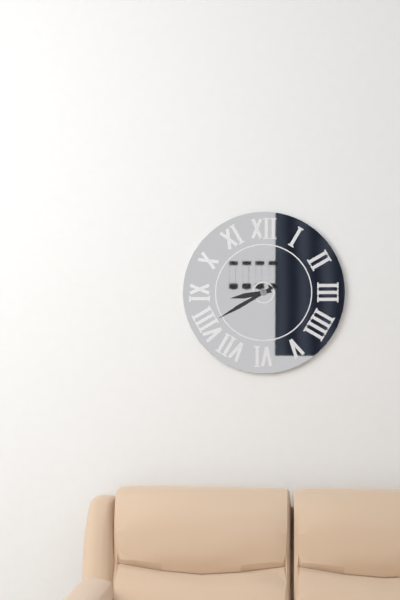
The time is 8:40
